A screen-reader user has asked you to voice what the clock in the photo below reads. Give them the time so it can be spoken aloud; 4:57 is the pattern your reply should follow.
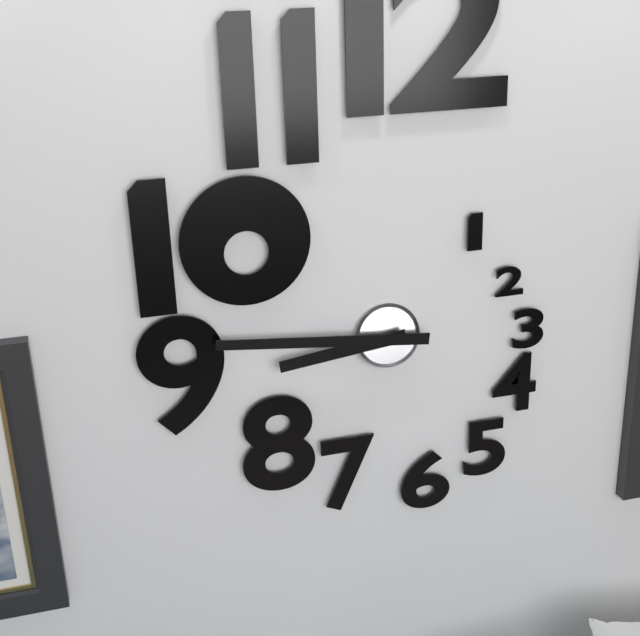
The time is 8:46
